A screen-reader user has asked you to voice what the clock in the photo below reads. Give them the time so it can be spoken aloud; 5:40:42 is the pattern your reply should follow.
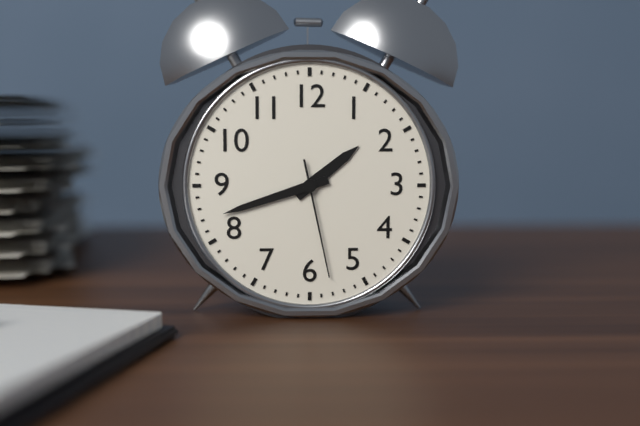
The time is 1:42:28
